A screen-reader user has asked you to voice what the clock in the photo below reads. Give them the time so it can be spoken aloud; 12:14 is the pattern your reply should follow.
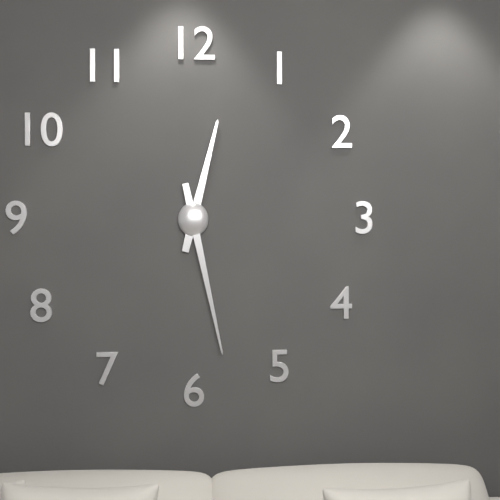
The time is 12:28
